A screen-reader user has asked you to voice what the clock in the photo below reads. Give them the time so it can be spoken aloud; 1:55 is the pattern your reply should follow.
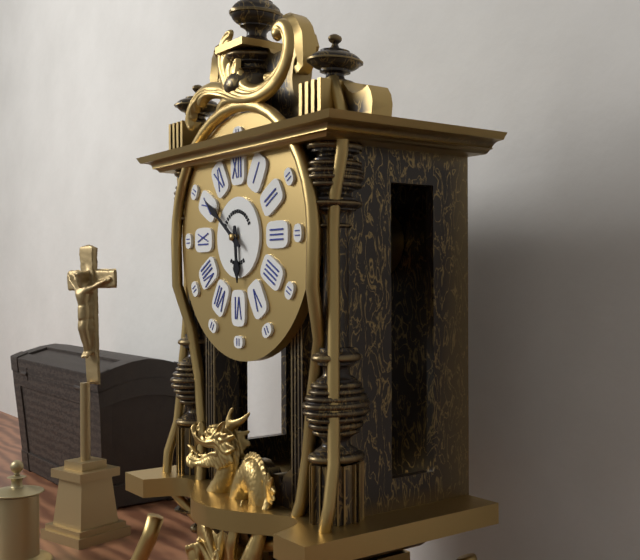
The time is 5:51
